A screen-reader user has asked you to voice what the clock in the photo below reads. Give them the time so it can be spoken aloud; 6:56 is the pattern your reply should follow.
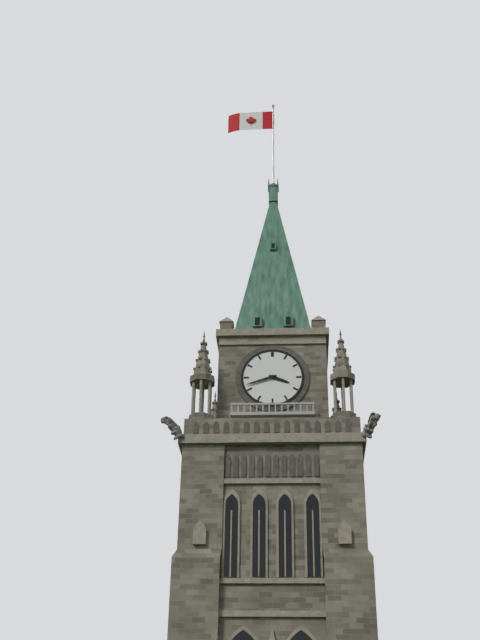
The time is 3:42
